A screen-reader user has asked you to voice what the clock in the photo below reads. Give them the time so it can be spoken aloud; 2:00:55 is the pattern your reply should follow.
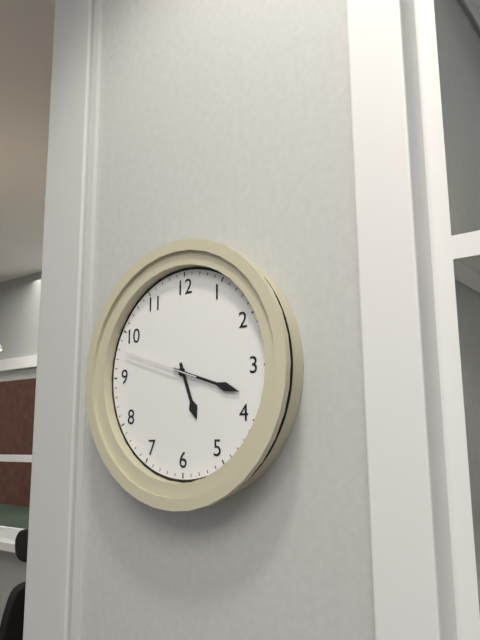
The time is 5:18:48
